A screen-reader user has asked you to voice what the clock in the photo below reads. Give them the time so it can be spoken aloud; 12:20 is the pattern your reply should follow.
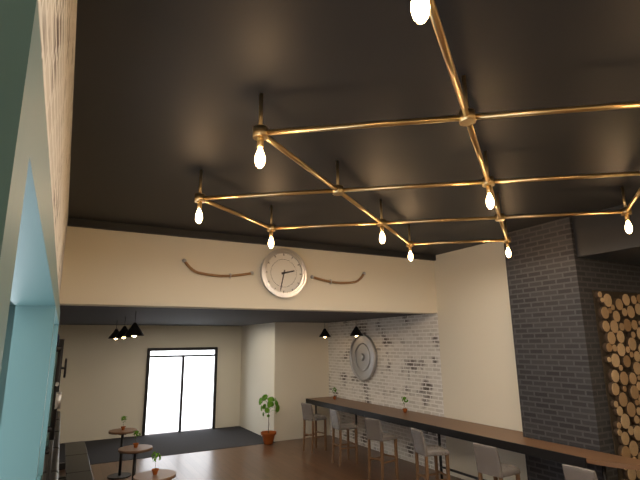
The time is 2:32
